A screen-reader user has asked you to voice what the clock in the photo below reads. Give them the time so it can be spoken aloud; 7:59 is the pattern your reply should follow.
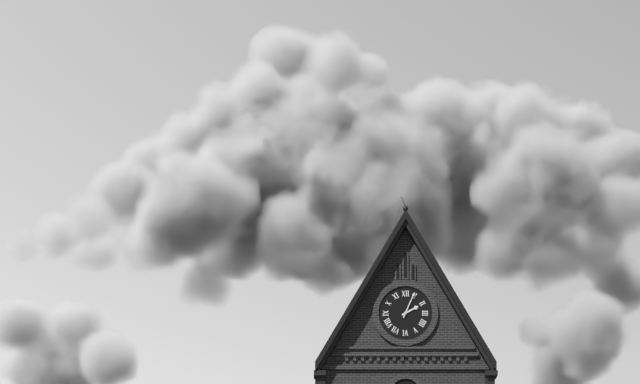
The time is 2:04
